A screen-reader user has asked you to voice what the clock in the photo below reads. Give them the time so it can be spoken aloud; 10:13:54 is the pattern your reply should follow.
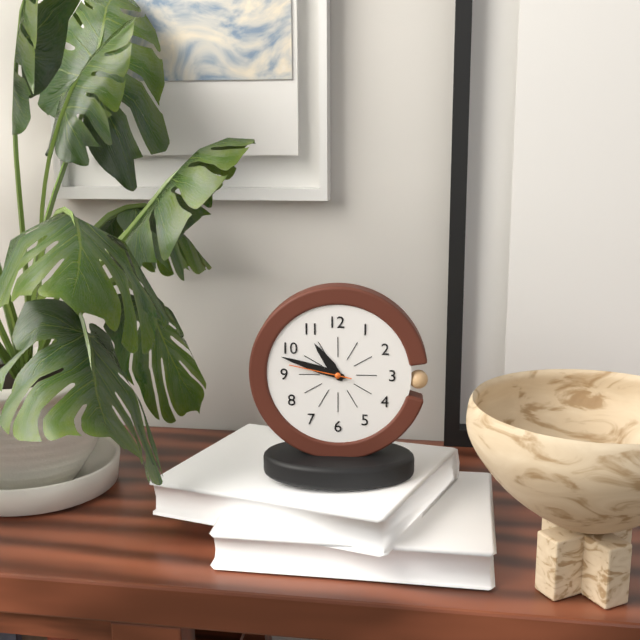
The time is 10:48:47
